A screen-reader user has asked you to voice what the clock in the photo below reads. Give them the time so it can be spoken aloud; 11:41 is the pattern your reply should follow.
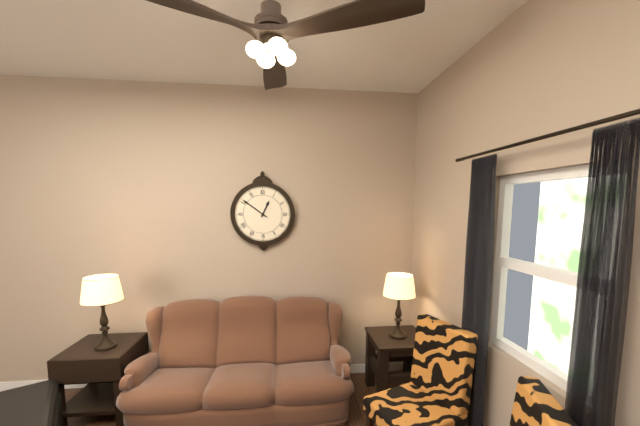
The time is 12:51
